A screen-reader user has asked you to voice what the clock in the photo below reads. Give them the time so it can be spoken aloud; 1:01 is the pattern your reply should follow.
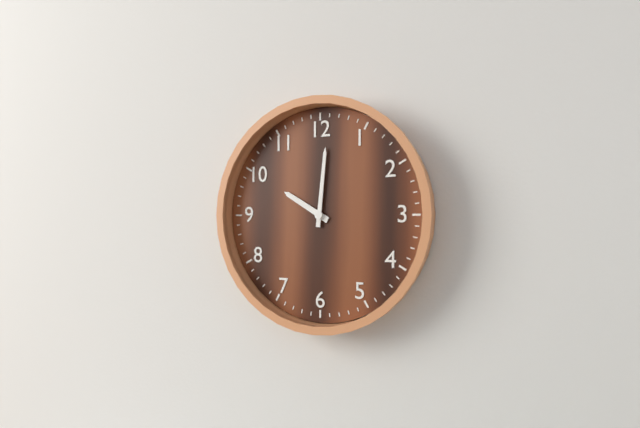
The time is 10:01
